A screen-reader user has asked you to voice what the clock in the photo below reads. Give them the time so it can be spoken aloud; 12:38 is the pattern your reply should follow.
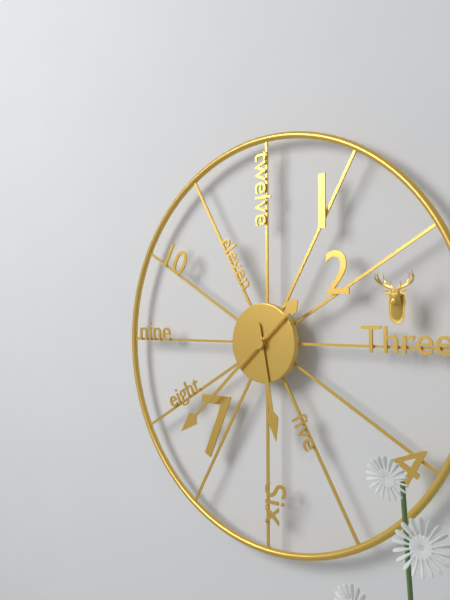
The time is 5:38
